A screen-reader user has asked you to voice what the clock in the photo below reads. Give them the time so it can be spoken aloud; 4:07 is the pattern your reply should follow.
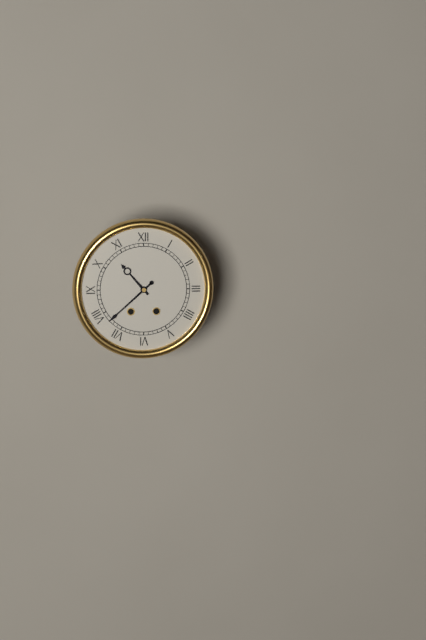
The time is 10:38
